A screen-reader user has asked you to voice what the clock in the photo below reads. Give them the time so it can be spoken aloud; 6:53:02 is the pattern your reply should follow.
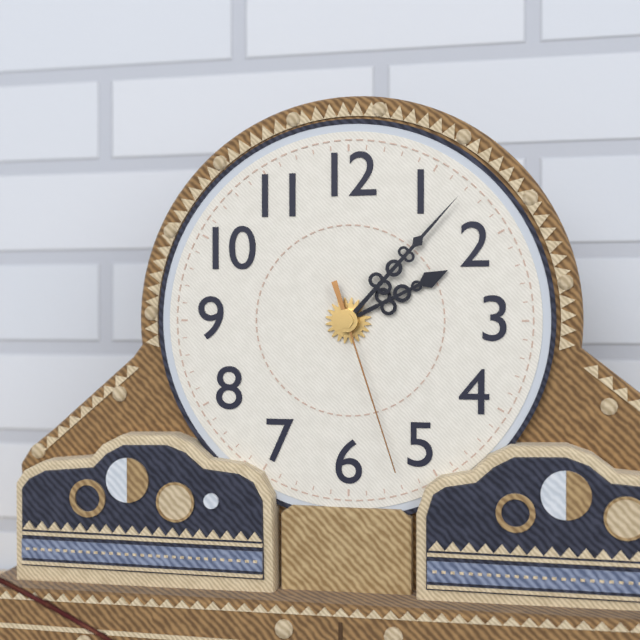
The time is 2:07:27
